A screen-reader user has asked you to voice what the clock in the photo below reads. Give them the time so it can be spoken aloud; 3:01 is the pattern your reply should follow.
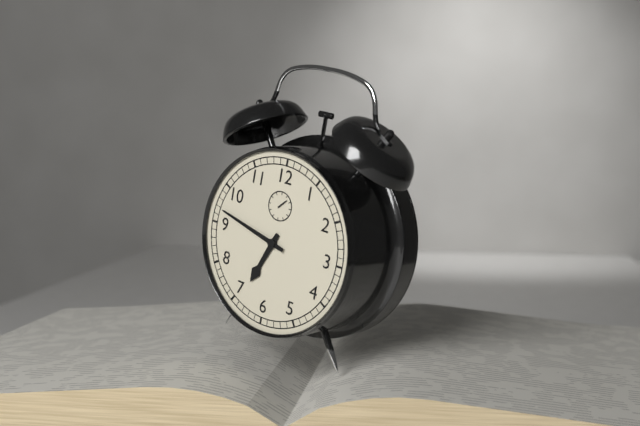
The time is 6:47
